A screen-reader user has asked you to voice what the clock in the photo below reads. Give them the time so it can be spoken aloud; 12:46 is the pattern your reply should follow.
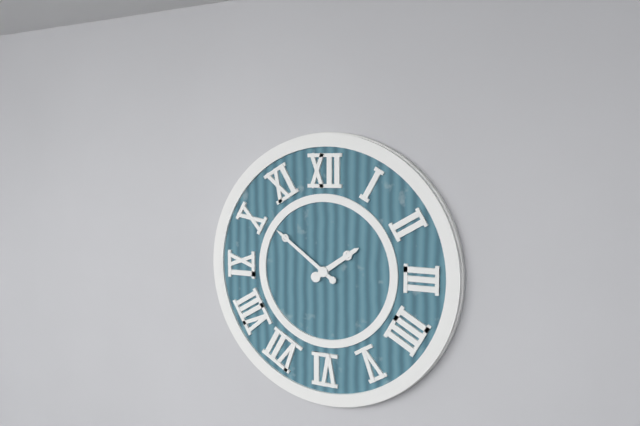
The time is 1:51
